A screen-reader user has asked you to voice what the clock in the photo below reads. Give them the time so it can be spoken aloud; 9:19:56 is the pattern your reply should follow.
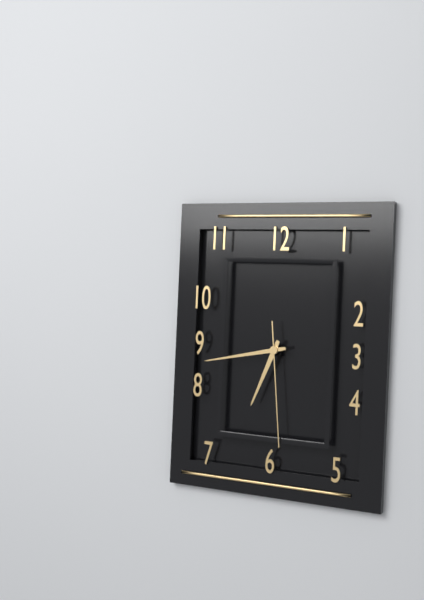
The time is 6:43:29
